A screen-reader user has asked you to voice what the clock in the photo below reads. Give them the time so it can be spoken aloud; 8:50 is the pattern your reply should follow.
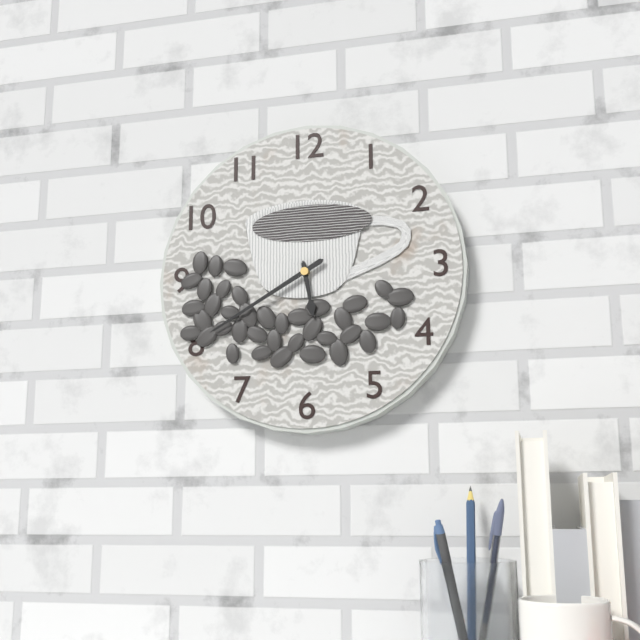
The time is 5:40
